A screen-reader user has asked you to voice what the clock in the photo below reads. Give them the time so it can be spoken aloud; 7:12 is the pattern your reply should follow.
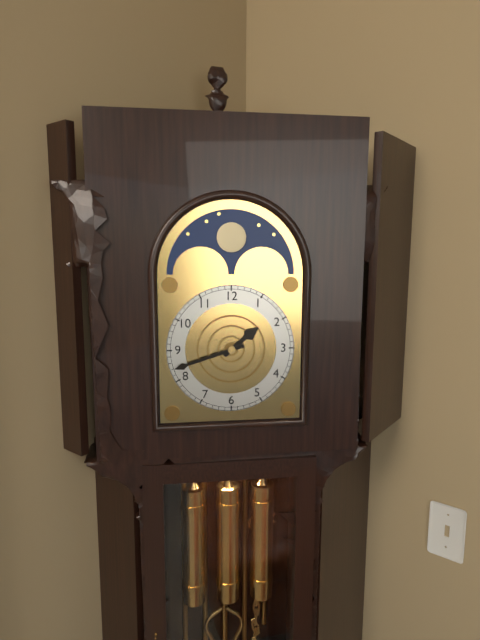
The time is 1:42
